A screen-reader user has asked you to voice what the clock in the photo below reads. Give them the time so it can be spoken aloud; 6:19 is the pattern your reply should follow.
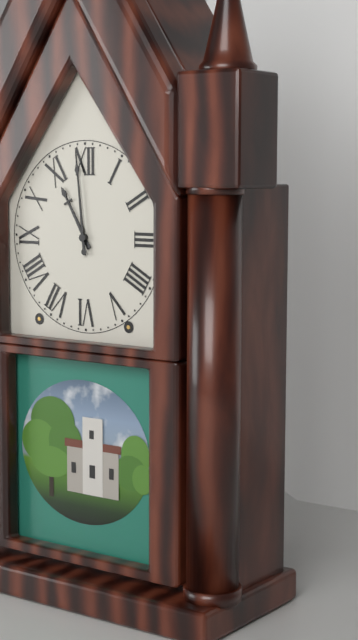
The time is 10:59
